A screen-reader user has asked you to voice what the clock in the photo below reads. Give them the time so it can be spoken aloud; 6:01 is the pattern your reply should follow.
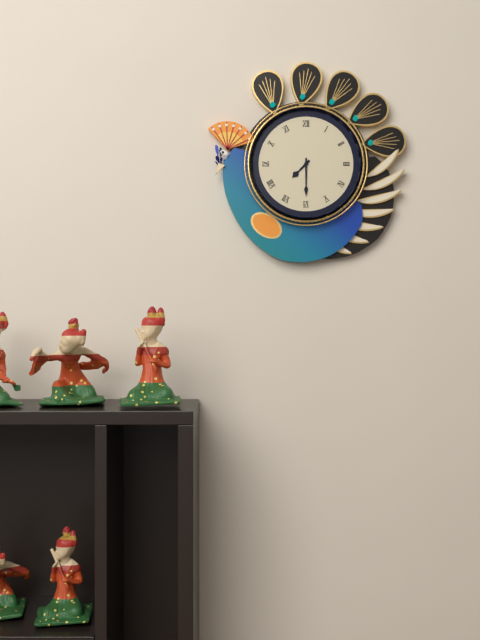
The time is 7:30
